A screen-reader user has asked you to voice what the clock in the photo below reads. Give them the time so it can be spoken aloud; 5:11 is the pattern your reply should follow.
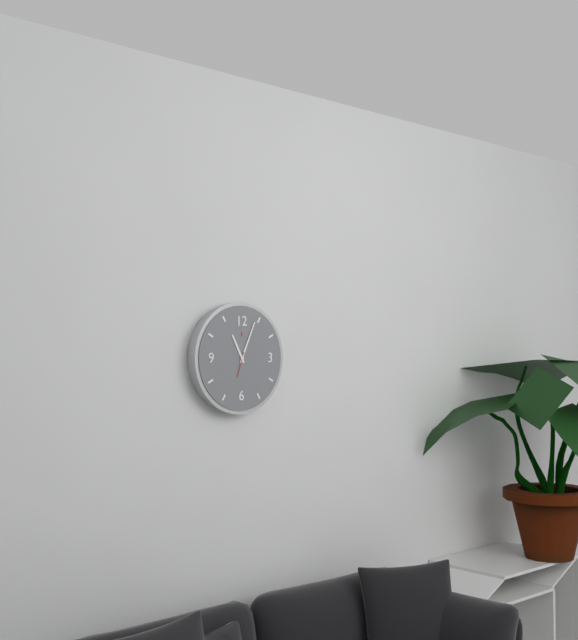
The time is 11:04
